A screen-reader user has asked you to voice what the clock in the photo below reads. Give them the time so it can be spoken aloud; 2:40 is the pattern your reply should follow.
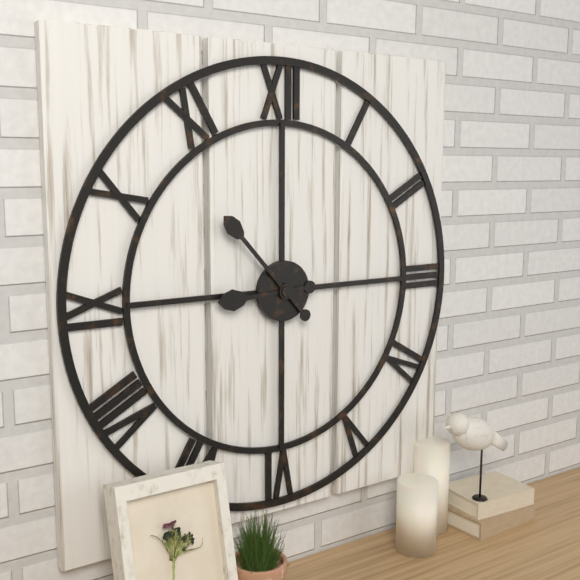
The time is 8:53
